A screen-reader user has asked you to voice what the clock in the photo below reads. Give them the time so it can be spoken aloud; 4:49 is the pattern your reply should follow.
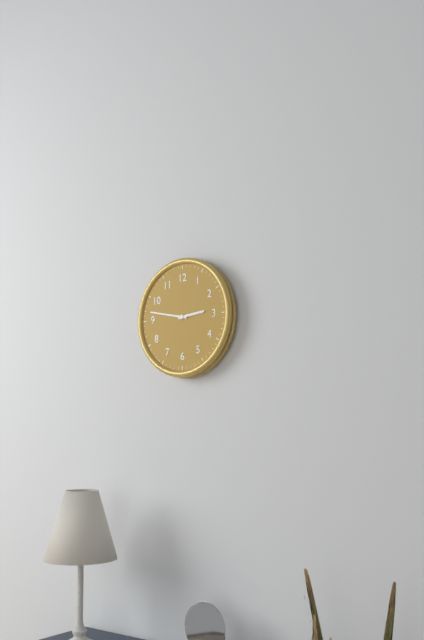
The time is 2:47
